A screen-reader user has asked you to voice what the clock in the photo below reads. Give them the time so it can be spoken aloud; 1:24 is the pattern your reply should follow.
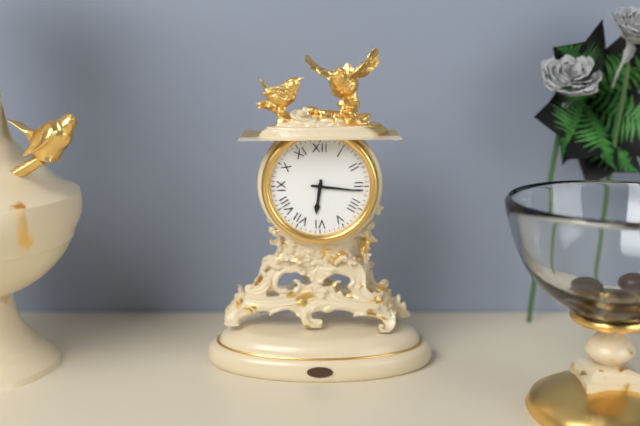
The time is 6:16
